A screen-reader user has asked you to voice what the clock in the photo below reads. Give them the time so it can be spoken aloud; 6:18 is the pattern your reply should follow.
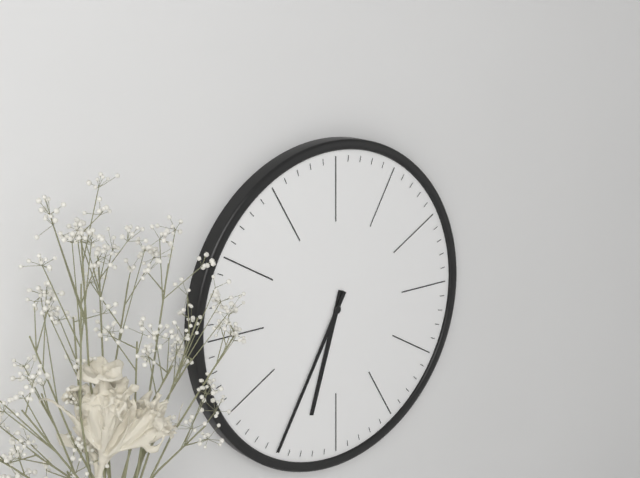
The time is 6:35
